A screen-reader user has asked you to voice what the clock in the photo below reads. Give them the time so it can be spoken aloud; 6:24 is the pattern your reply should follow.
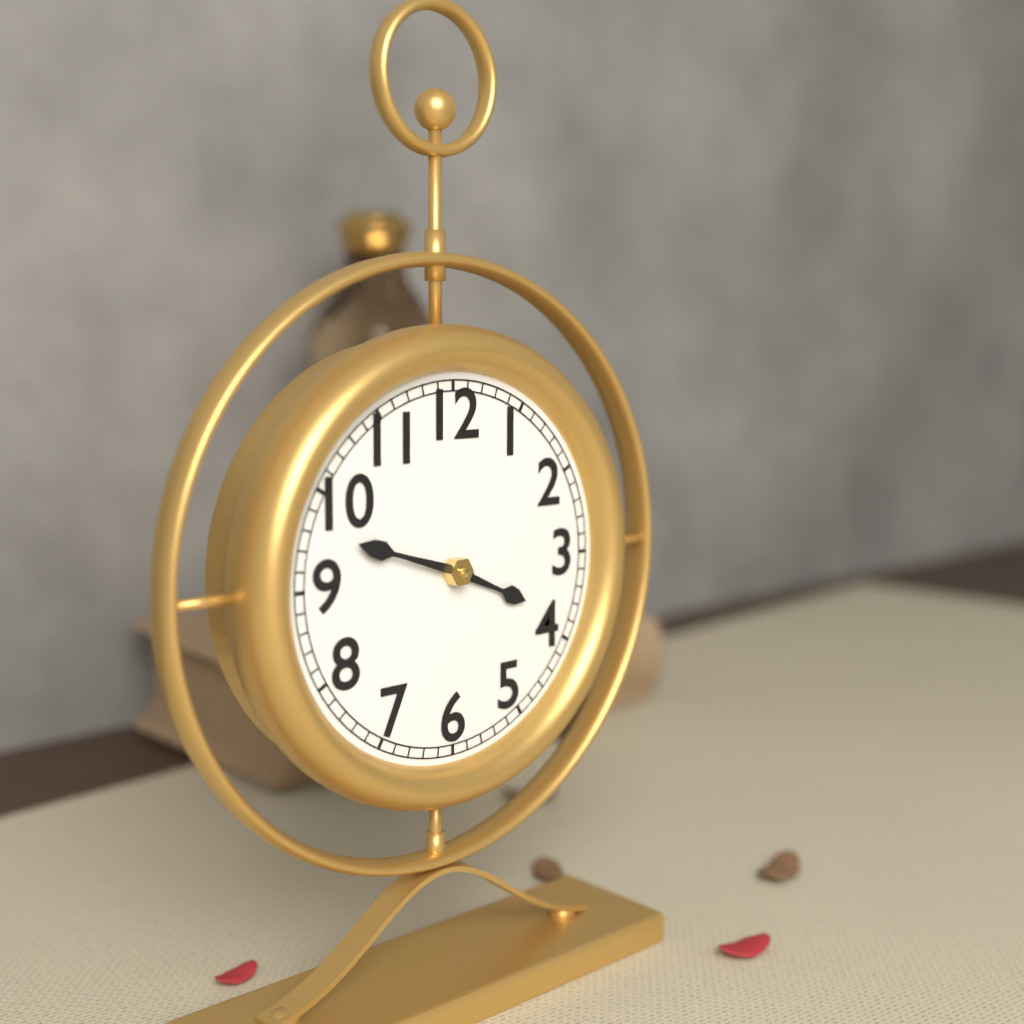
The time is 3:48
